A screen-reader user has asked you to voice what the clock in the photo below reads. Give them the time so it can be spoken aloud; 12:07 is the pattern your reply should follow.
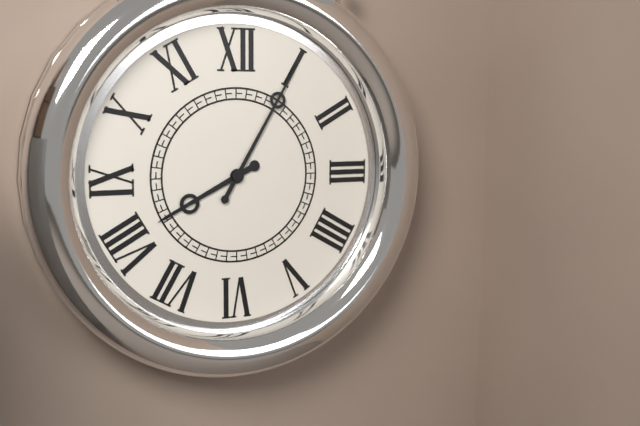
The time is 8:05
